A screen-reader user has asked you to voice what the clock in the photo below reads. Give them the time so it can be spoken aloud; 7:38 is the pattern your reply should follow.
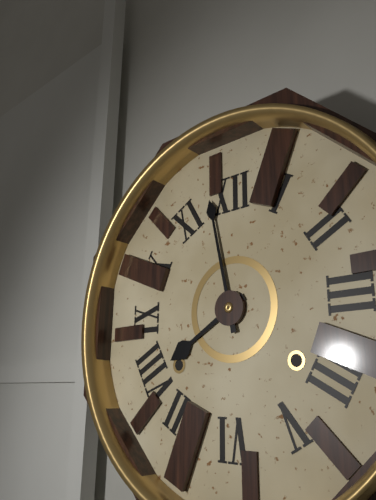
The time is 7:58
